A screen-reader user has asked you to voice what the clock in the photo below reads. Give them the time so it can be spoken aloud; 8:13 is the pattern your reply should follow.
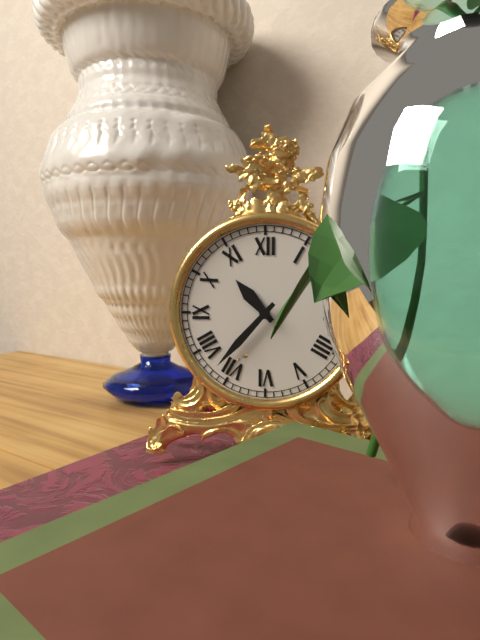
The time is 10:37
